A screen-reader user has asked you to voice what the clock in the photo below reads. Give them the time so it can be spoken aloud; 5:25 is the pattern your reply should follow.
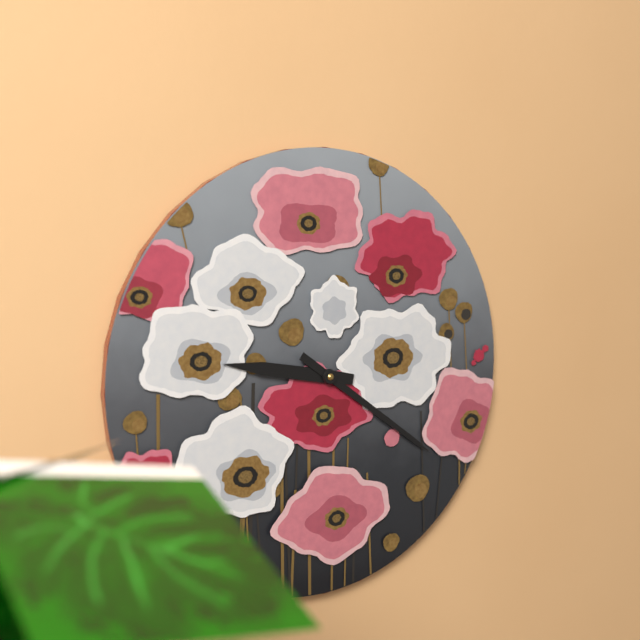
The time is 9:21
